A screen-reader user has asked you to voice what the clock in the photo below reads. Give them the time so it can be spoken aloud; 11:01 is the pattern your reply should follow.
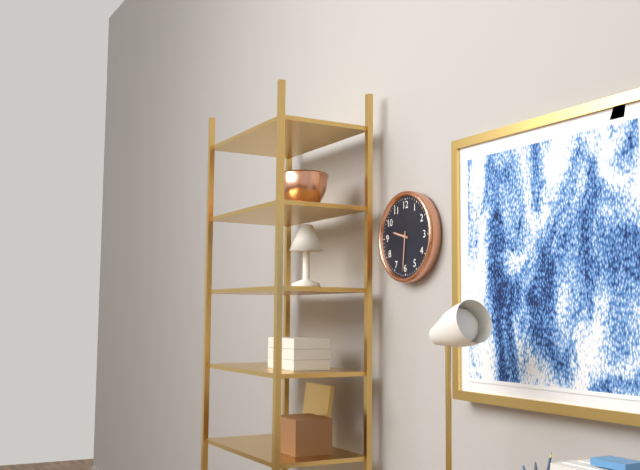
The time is 9:31
